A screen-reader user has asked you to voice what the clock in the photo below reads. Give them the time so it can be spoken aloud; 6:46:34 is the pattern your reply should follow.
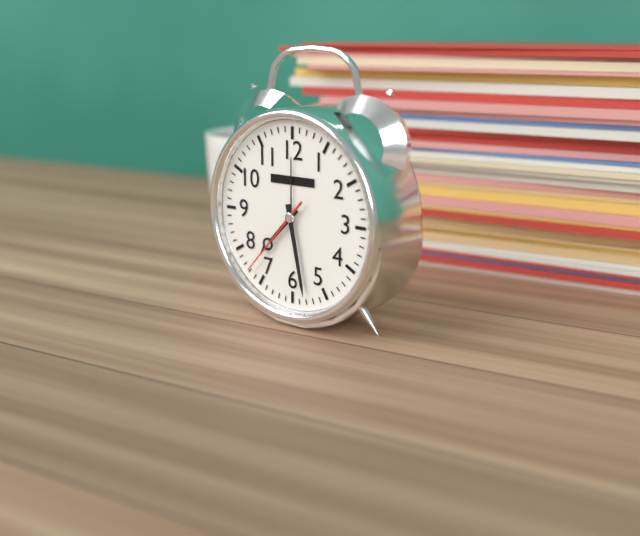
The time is 7:28:37
